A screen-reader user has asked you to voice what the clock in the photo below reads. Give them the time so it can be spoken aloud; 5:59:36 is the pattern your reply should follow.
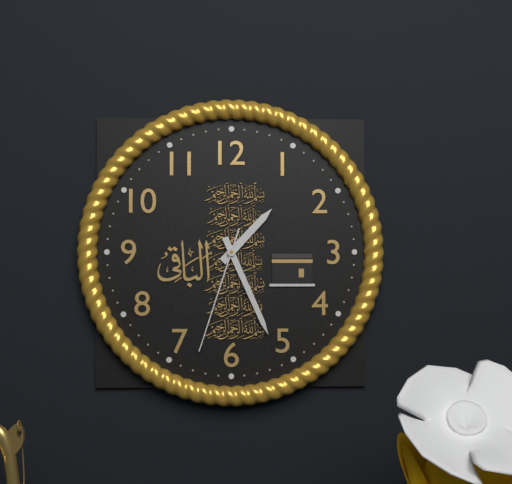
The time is 1:26:33
